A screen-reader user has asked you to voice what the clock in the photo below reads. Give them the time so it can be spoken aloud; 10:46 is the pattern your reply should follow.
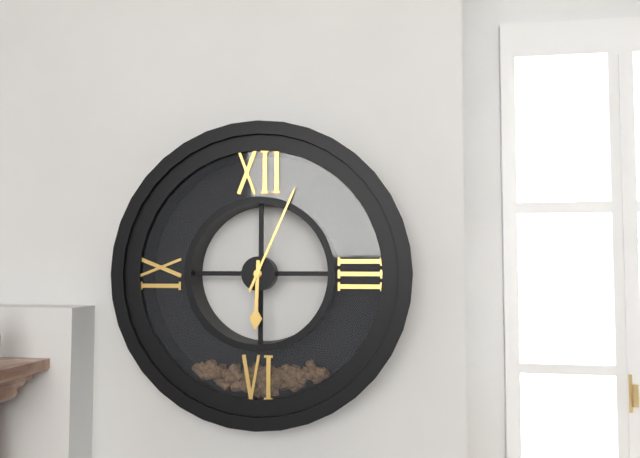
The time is 6:04
